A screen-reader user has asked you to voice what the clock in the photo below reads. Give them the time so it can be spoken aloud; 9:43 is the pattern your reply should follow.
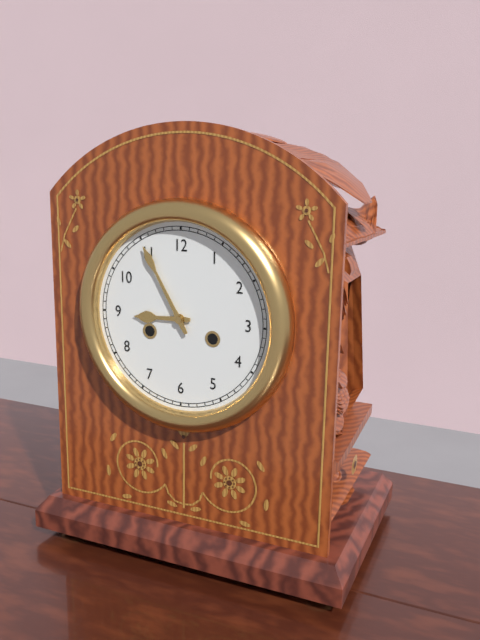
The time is 8:55
